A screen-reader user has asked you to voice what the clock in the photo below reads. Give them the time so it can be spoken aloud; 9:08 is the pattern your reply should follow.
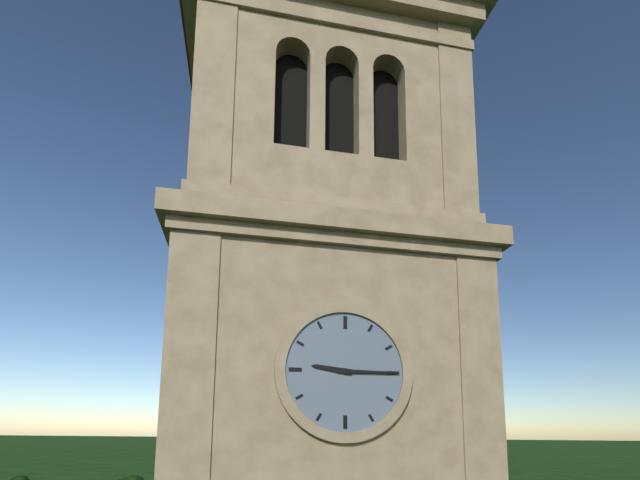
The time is 9:15
